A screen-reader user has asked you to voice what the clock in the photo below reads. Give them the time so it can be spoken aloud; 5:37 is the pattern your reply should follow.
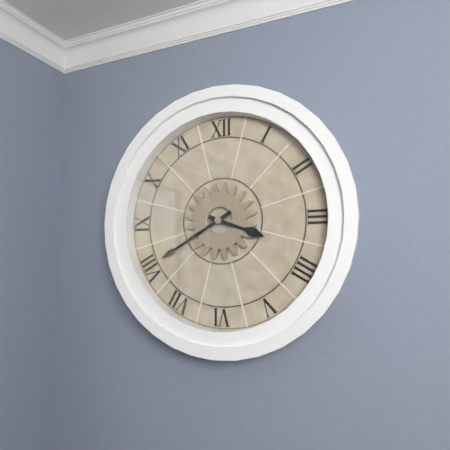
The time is 3:40
